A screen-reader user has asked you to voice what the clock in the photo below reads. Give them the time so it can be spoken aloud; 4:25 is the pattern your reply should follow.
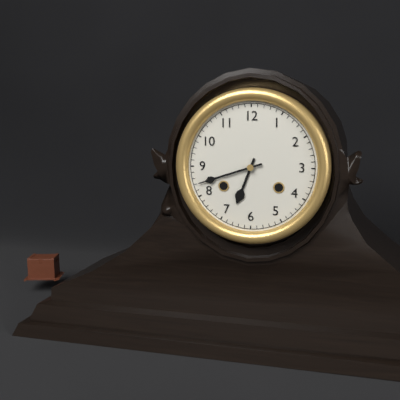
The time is 6:42
